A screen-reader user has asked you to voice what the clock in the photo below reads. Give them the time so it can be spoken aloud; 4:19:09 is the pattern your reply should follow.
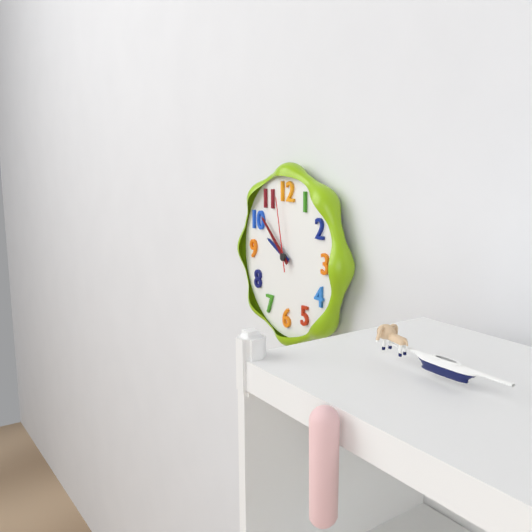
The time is 9:52:58
